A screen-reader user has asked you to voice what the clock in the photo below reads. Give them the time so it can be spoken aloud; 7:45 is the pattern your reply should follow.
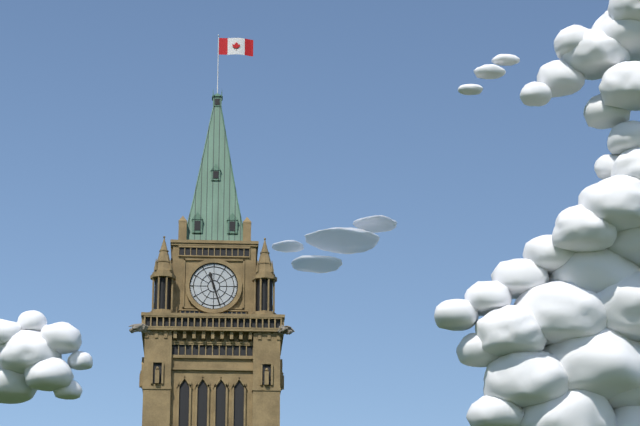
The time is 11:27
